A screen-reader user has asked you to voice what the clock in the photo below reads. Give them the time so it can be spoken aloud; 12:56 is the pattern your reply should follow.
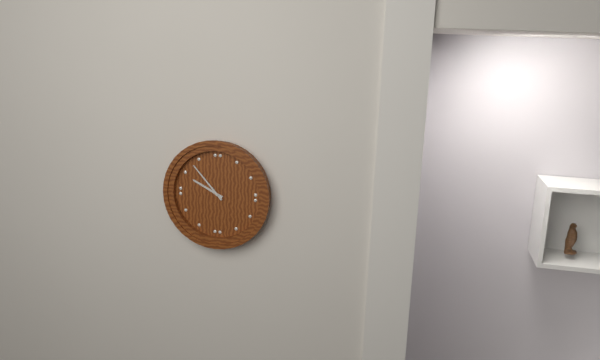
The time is 9:53
